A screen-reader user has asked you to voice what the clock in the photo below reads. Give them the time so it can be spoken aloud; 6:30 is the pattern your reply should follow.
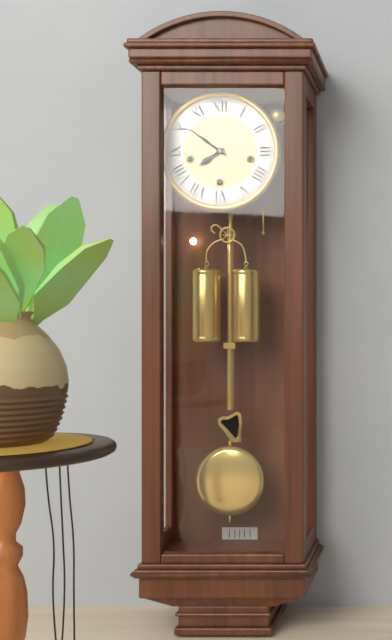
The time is 7:51
